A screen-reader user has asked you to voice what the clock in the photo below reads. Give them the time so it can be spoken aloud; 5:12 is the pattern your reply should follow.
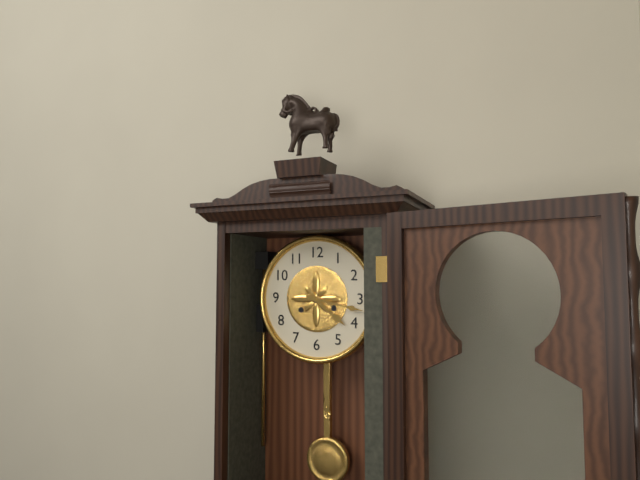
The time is 4:17
